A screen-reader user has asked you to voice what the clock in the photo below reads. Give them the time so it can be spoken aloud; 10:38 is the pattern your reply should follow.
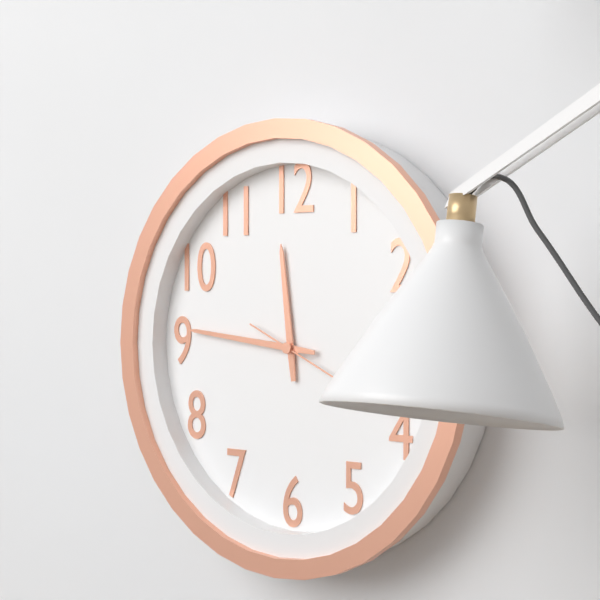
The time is 11:46
